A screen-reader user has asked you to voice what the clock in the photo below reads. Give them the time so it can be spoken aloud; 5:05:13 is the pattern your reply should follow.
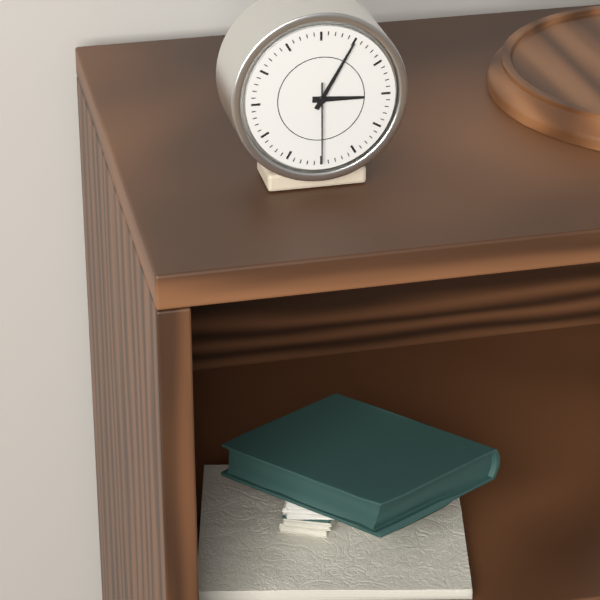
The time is 3:05:30
